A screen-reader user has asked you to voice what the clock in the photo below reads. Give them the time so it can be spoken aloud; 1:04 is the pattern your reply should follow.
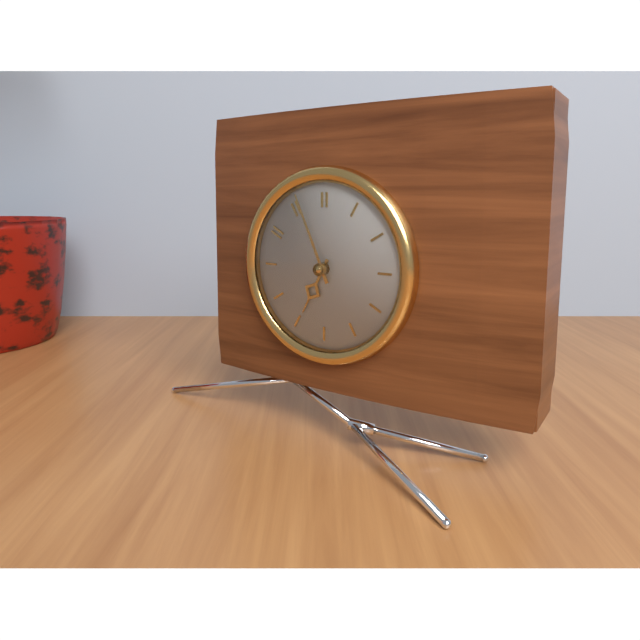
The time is 6:56
